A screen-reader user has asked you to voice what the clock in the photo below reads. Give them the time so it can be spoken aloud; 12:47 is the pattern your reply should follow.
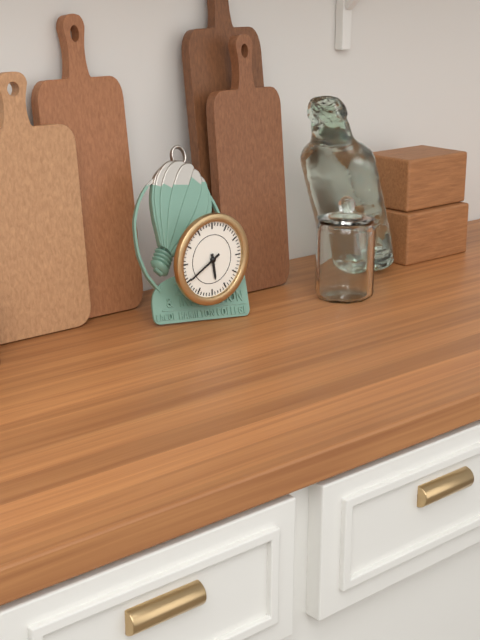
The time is 5:40
